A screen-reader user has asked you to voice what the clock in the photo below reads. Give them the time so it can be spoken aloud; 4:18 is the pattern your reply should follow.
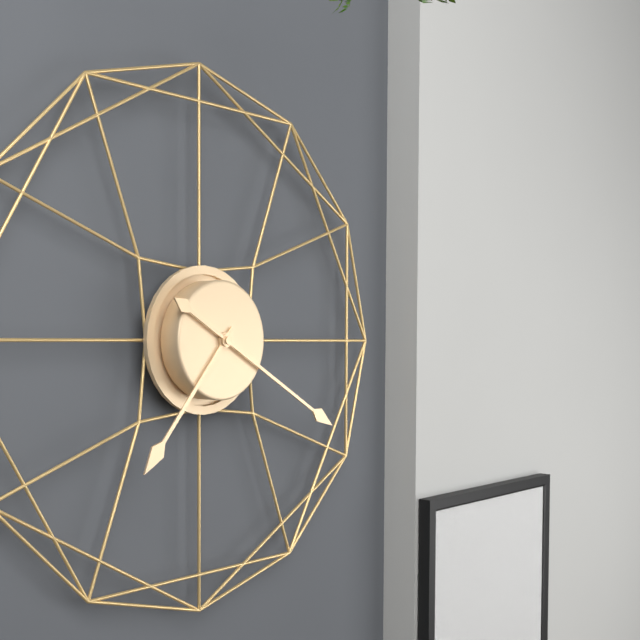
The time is 7:20
